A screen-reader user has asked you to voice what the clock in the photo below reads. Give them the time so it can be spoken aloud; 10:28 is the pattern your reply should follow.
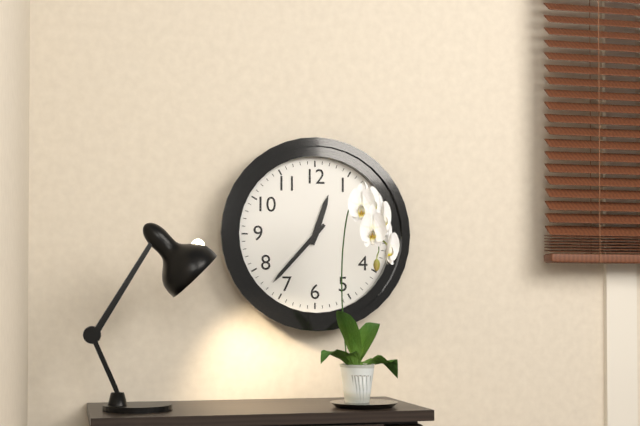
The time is 12:37
